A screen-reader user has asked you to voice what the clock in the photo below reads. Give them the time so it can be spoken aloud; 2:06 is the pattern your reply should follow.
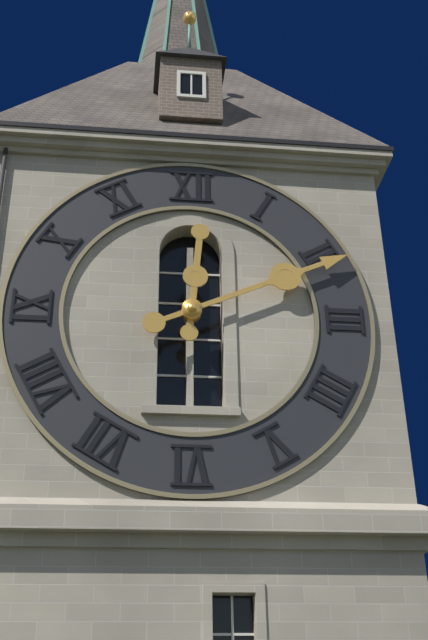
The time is 12:11
